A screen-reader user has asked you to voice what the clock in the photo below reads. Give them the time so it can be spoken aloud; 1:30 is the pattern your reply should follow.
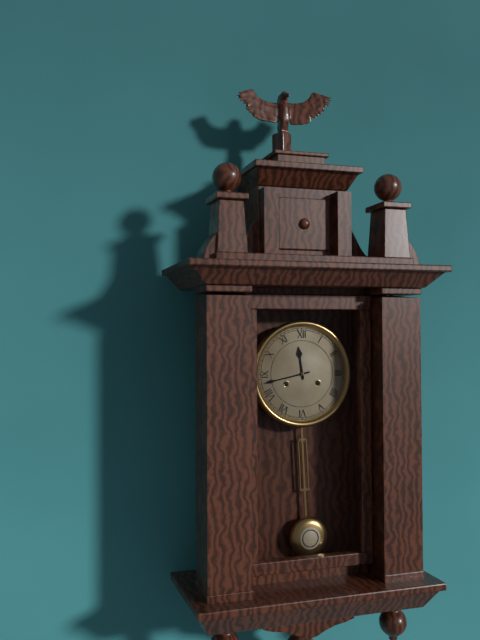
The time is 11:43
